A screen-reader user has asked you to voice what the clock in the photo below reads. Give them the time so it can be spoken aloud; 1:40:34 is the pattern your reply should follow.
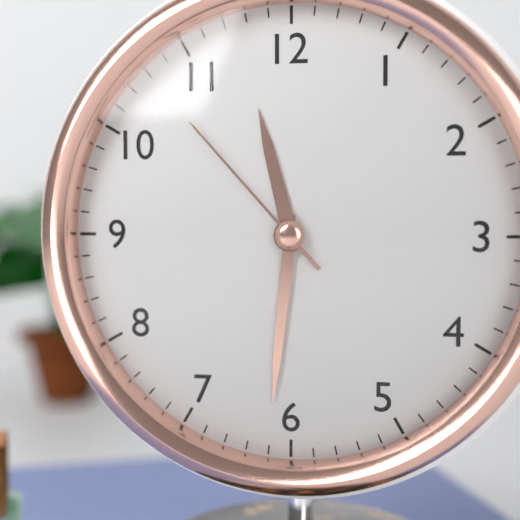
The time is 11:31:53
